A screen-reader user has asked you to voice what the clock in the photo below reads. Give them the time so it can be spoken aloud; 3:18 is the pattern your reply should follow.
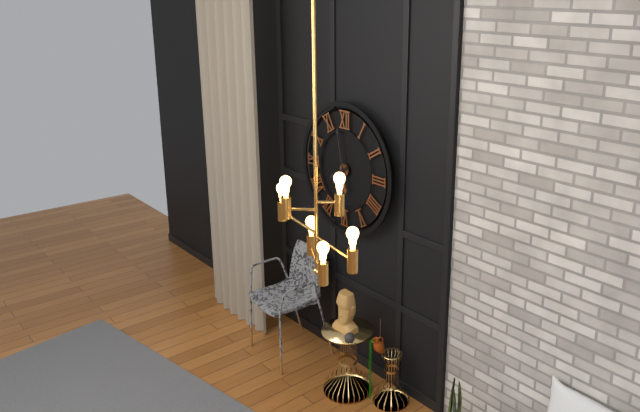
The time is 7:58
